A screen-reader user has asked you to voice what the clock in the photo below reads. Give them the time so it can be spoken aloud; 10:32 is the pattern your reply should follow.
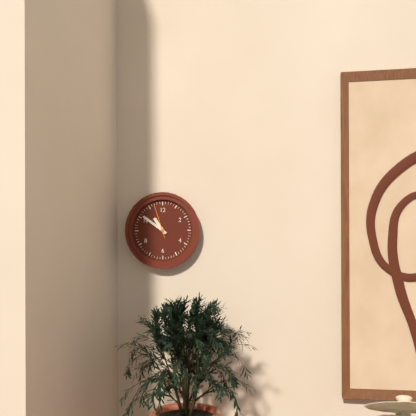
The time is 10:51
